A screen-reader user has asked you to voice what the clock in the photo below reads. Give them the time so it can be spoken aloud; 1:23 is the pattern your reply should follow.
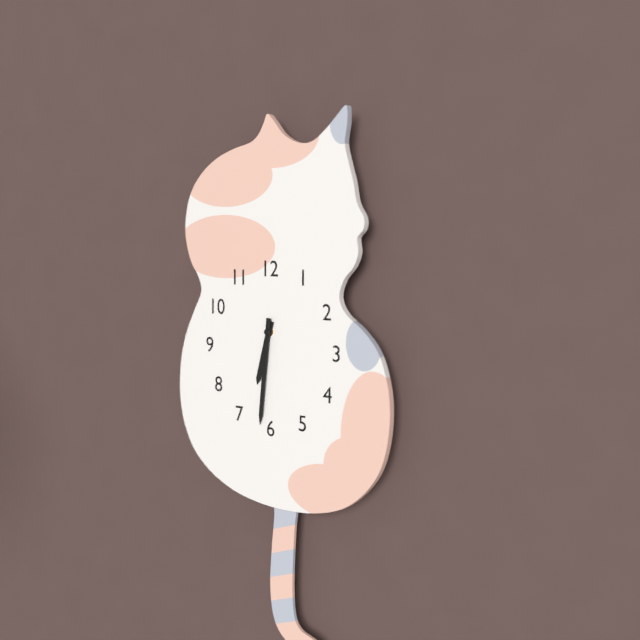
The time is 6:31
